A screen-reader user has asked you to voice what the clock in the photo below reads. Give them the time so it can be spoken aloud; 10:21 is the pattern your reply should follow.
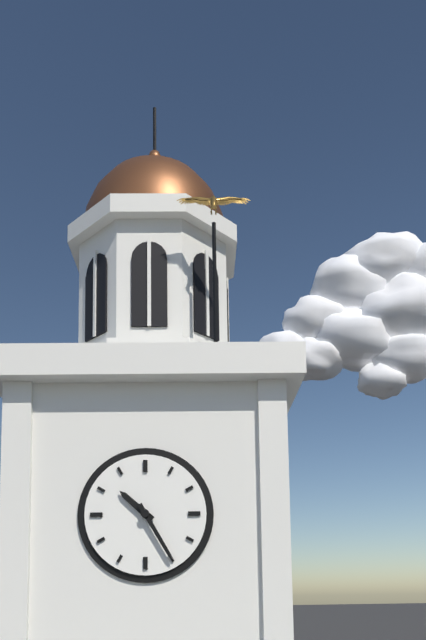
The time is 10:25
